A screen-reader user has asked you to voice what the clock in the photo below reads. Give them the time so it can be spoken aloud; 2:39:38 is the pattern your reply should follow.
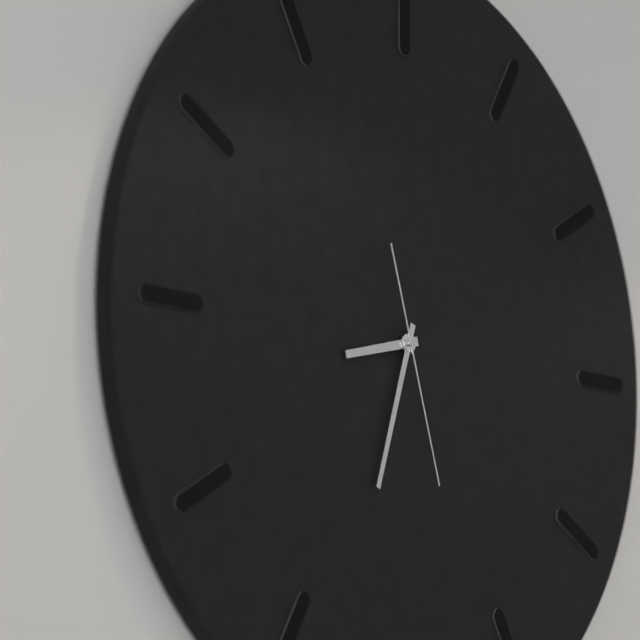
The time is 8:33:27
